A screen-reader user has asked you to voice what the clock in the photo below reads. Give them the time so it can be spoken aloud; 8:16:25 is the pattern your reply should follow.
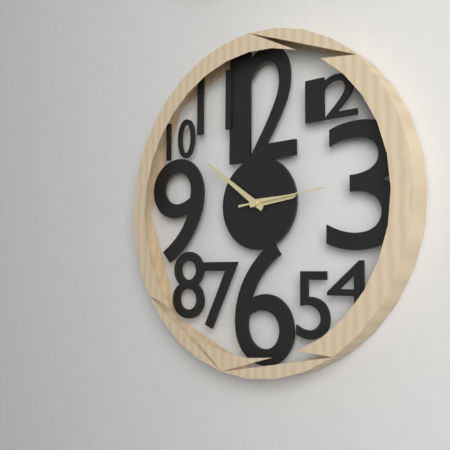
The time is 2:51:14
